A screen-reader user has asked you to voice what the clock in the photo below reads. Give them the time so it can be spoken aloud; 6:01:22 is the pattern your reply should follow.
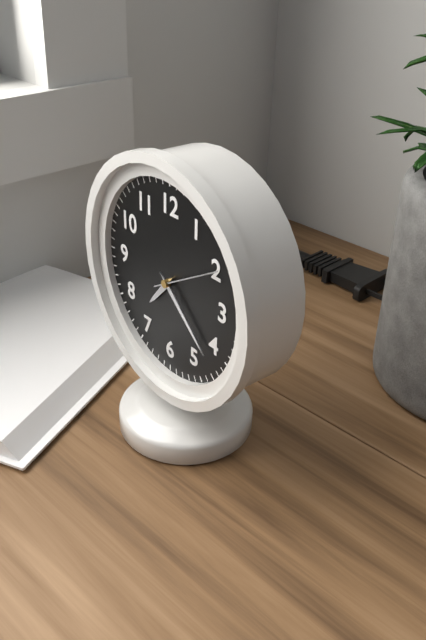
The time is 7:22:10
